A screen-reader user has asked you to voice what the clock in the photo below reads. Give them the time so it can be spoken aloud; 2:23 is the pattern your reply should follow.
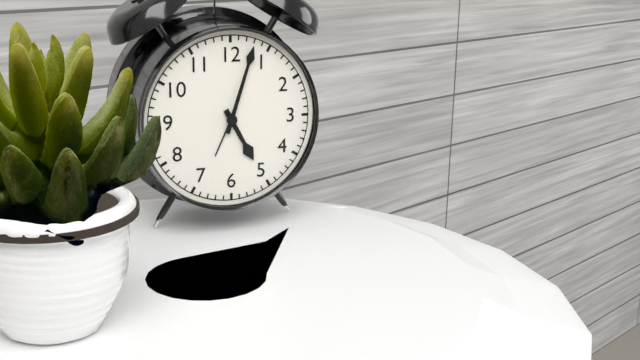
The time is 5:03
